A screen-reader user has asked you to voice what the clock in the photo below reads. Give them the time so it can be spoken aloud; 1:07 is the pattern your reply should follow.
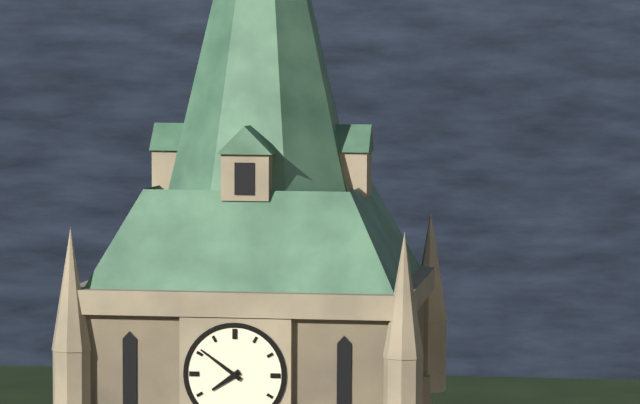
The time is 7:51
